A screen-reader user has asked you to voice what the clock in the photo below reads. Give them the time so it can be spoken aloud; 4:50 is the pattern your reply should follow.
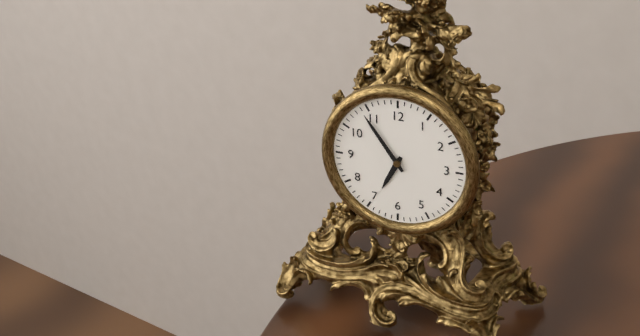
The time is 6:54
